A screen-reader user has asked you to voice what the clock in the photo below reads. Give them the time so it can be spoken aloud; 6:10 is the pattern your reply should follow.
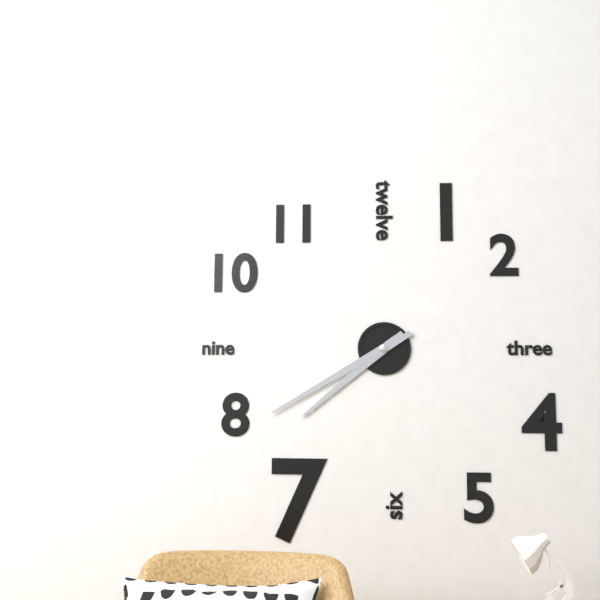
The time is 7:40
